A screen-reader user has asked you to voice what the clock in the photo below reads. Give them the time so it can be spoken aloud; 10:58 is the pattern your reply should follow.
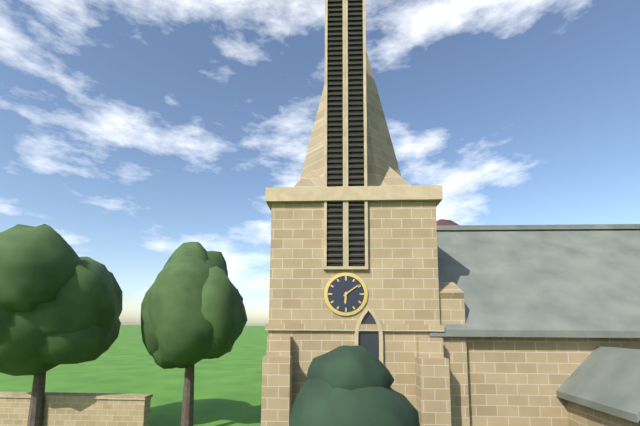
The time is 6:09
